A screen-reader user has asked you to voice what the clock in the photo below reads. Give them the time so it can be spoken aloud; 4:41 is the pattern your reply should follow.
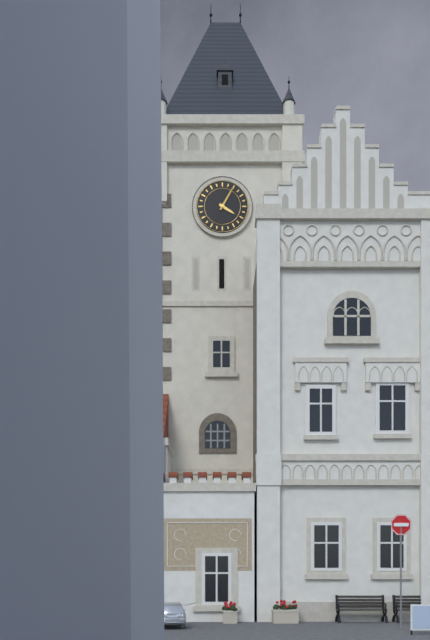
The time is 4:05
